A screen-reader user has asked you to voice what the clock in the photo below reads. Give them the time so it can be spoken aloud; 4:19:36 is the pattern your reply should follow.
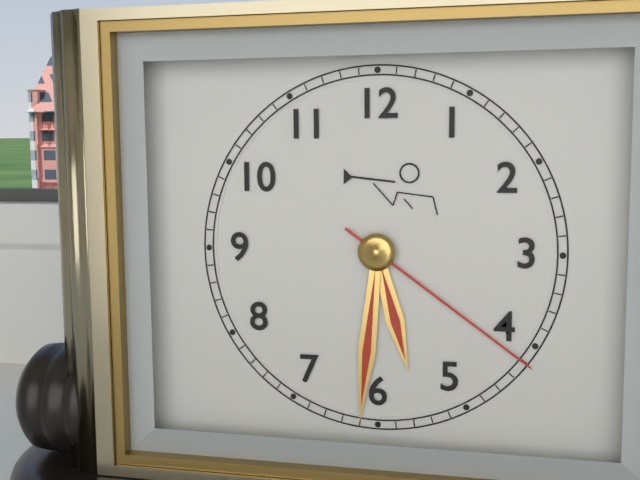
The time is 5:31:21
